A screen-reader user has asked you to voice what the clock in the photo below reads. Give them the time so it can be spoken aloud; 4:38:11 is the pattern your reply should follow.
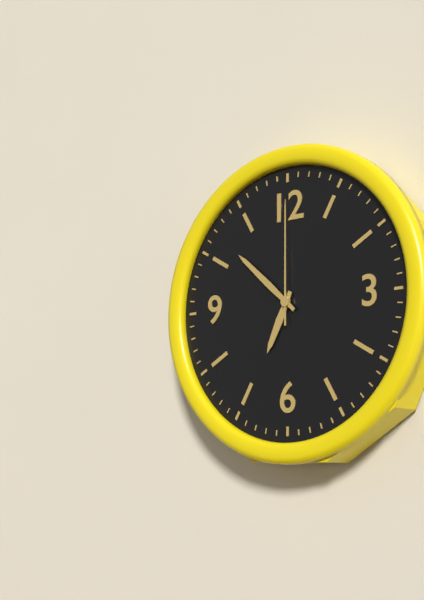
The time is 6:52:00
